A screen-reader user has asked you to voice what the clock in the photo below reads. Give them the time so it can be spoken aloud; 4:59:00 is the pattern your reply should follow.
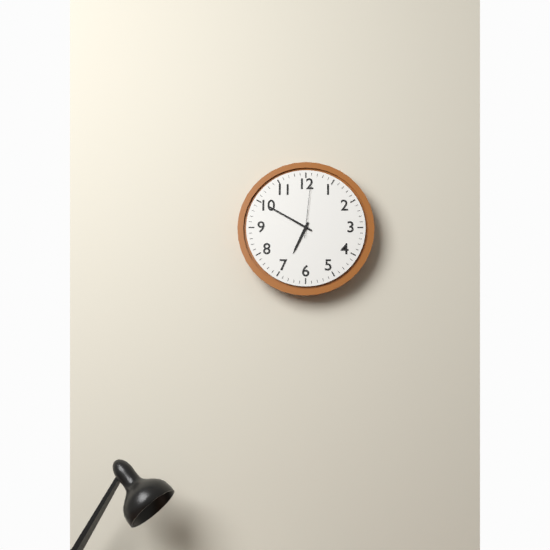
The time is 6:50:01
